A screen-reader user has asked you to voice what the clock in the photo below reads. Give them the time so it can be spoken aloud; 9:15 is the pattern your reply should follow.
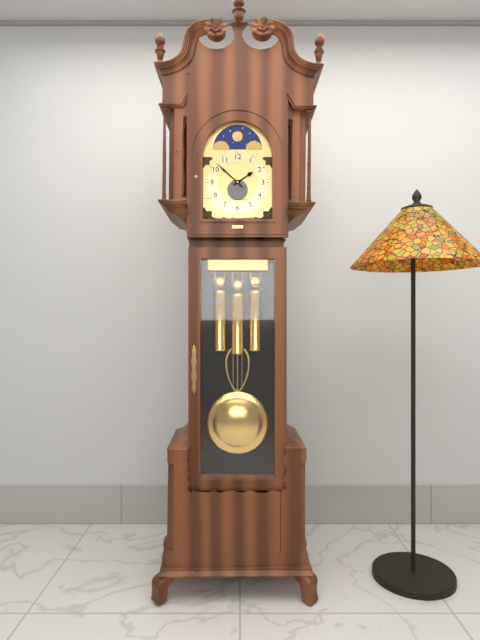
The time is 1:52
